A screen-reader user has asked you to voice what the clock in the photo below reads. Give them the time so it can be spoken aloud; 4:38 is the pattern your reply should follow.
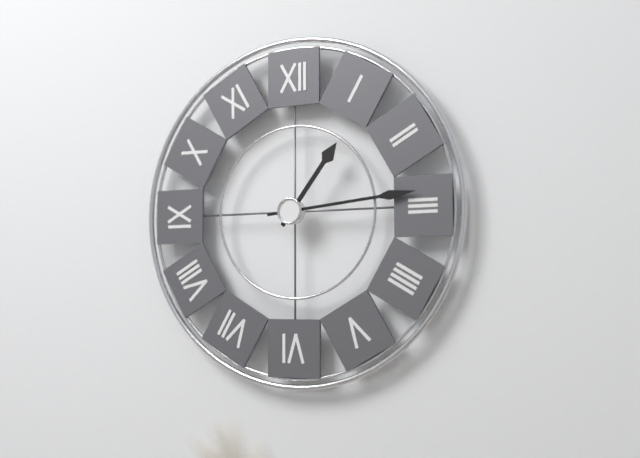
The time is 1:14
